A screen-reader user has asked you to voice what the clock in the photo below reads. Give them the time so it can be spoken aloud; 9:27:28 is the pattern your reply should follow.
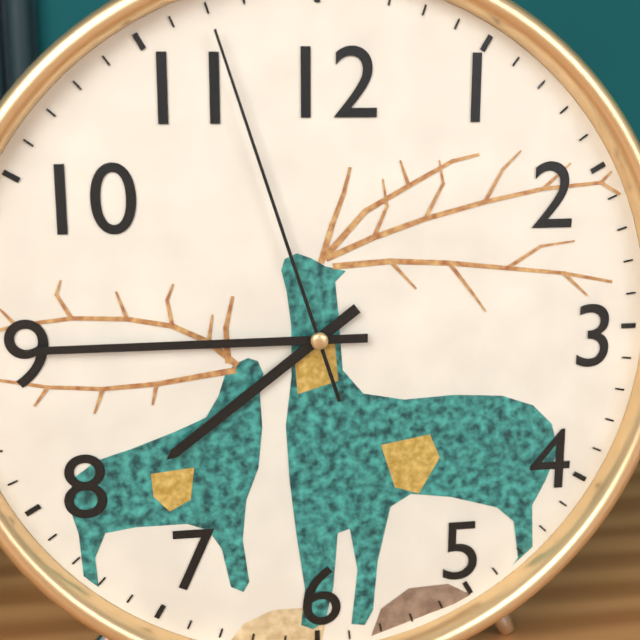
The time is 7:45:57
